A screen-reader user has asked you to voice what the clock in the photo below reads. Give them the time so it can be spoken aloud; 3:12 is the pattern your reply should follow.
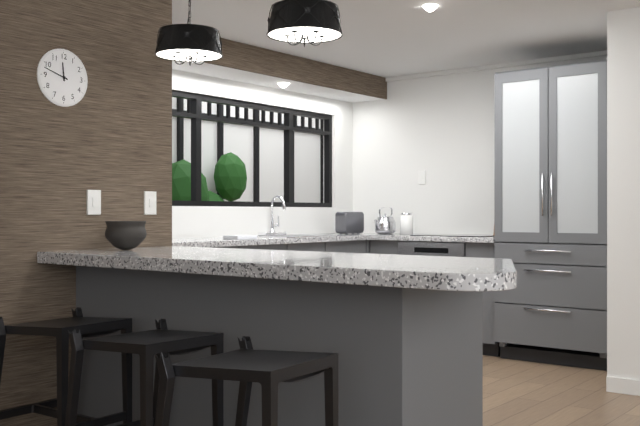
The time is 11:48
